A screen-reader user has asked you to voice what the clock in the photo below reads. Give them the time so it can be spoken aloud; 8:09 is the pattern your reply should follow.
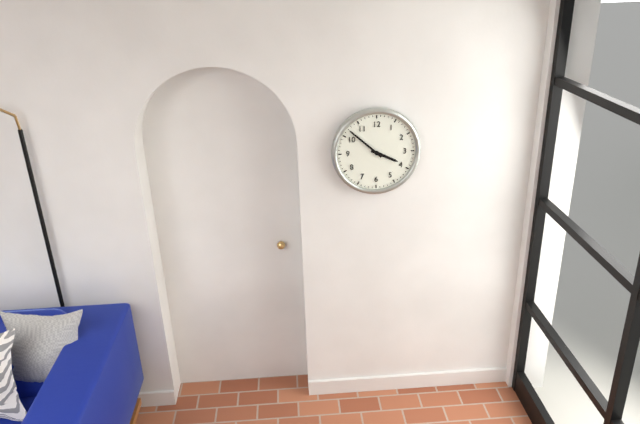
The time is 3:52
